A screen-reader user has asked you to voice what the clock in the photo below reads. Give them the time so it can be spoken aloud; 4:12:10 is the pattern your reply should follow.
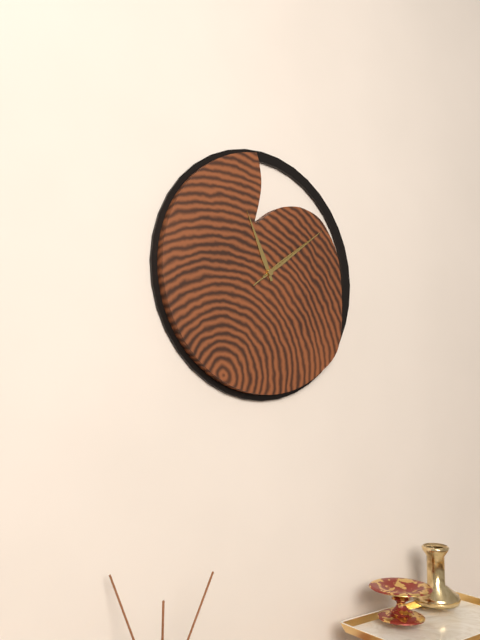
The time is 11:09:09
